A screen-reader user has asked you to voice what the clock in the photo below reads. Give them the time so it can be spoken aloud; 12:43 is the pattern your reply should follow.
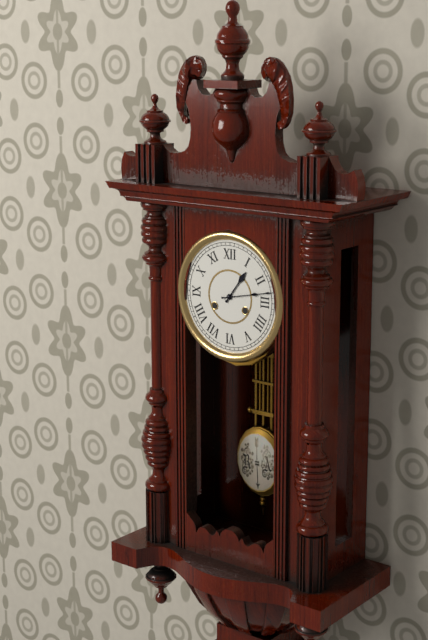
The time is 1:13
